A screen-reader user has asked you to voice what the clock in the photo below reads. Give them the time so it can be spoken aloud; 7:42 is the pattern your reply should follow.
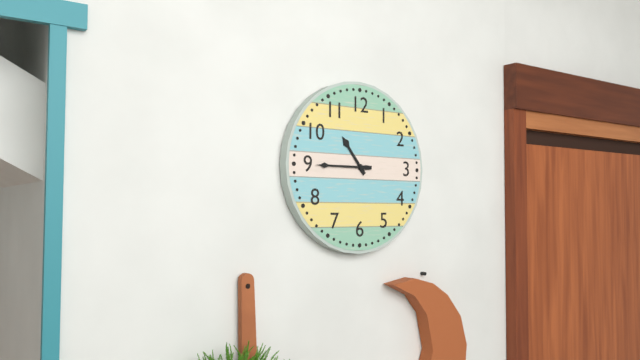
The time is 10:45
